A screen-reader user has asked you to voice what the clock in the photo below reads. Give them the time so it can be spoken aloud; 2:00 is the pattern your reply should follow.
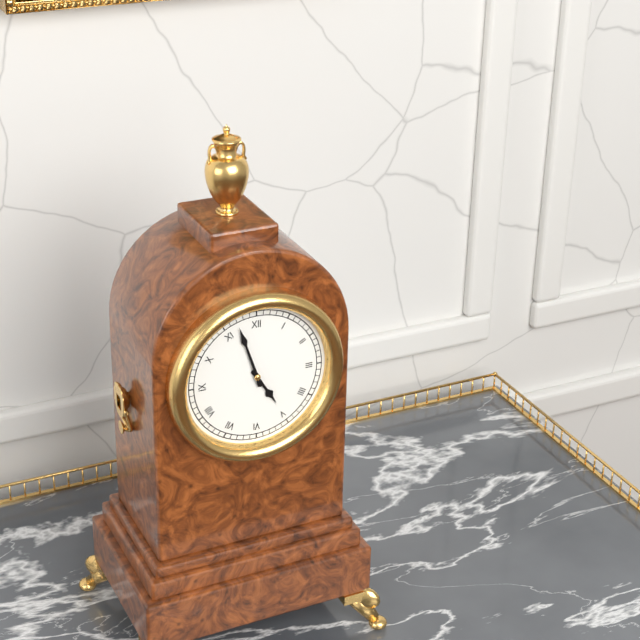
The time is 4:57
